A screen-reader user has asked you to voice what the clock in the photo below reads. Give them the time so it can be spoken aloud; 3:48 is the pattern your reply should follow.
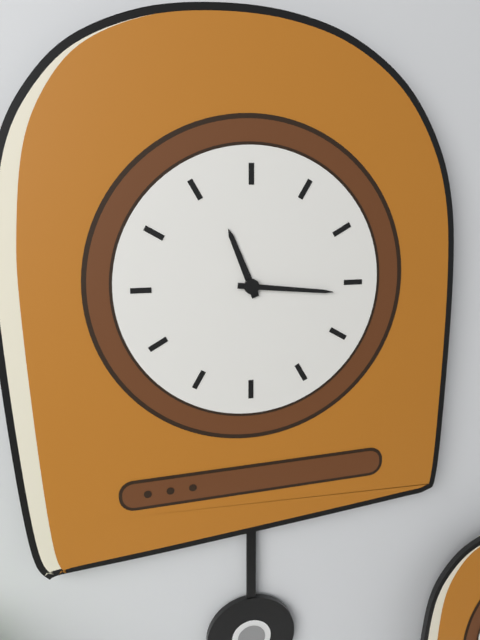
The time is 11:16
